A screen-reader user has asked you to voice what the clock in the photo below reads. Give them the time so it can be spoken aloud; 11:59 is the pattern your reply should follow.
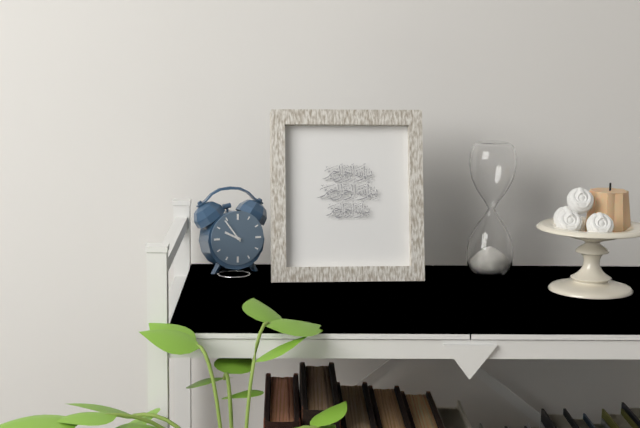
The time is 9:54
